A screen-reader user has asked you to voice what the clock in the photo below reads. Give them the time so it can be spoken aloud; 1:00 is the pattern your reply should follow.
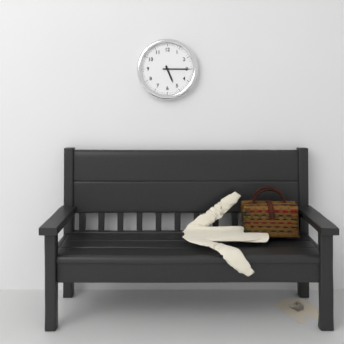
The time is 5:15
